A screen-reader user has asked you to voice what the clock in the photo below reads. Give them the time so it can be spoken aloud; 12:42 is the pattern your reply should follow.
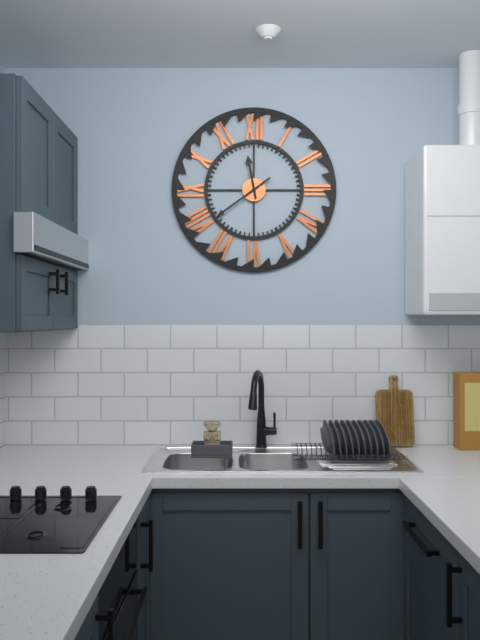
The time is 11:39
